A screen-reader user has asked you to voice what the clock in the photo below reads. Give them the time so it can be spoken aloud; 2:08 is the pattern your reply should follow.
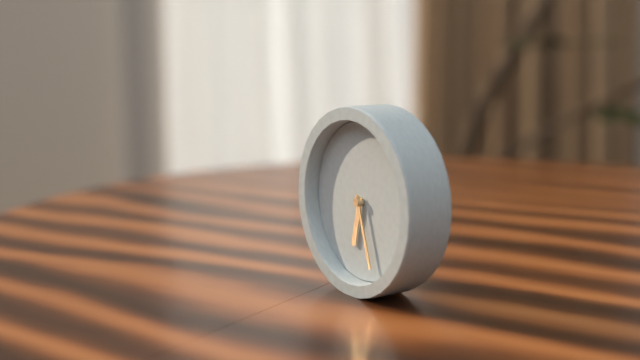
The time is 6:27
